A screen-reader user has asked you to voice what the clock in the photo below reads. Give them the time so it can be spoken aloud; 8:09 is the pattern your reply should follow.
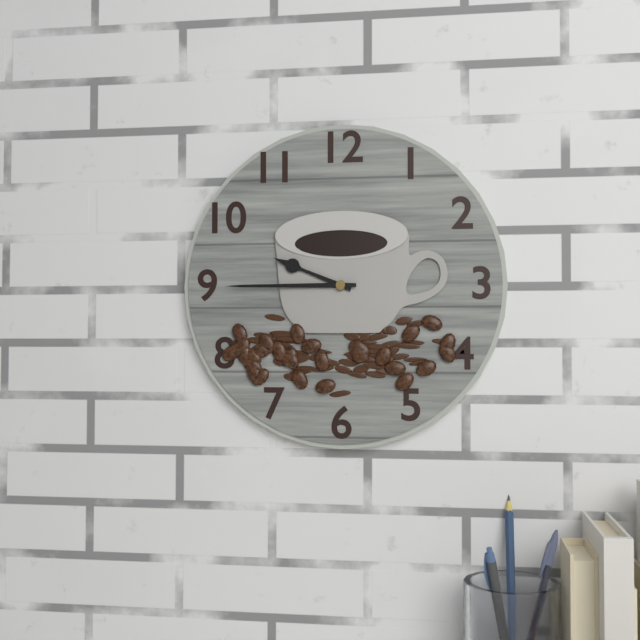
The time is 9:45
